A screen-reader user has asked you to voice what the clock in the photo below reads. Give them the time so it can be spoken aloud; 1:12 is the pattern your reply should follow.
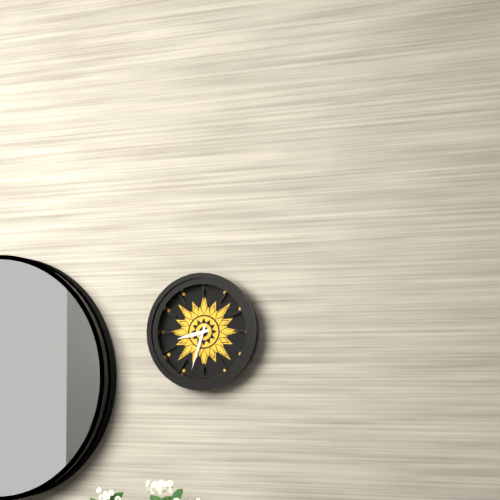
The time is 8:33
